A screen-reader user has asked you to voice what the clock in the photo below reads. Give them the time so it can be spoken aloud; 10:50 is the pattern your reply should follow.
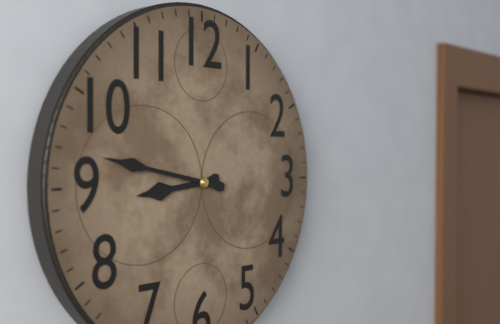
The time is 8:47
